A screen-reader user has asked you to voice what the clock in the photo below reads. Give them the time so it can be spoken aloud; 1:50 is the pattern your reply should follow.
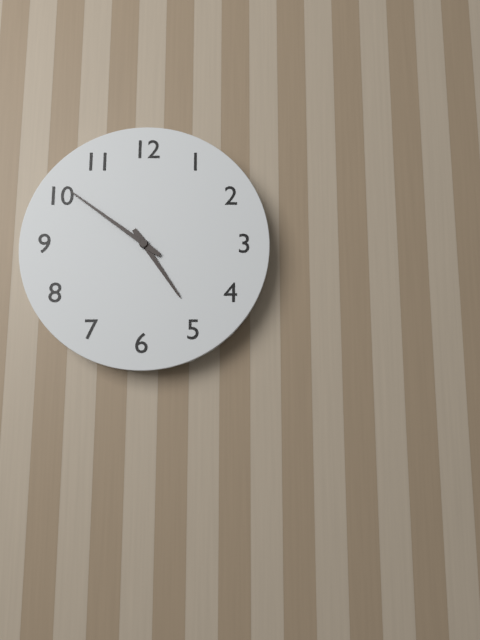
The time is 4:51
